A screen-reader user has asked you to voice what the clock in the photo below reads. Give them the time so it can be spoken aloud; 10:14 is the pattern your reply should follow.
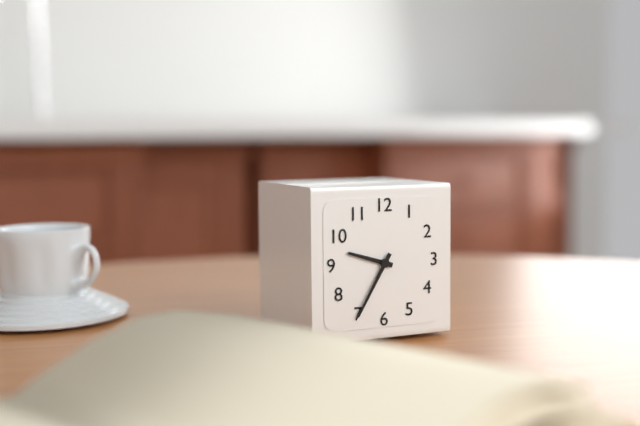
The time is 9:35
